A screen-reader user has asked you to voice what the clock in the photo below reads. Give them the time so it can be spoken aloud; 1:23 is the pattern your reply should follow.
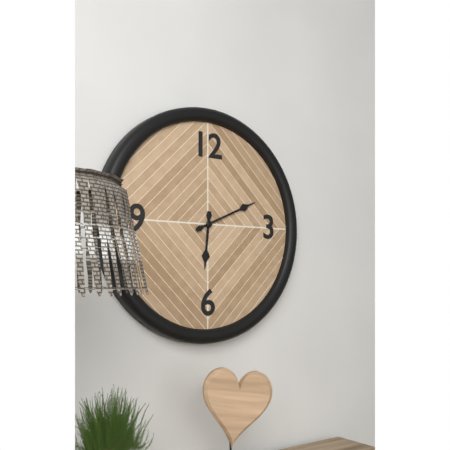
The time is 6:11
